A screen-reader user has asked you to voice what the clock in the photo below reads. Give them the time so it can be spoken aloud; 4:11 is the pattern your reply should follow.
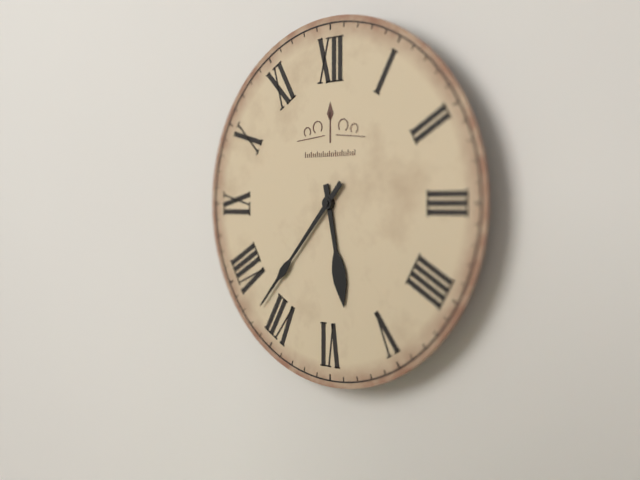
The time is 5:37
